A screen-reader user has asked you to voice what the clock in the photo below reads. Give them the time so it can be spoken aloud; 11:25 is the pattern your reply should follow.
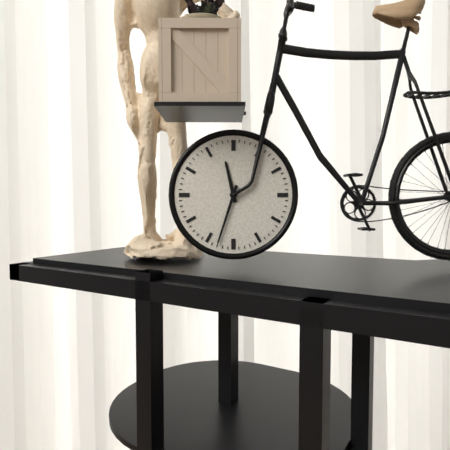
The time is 11:33
